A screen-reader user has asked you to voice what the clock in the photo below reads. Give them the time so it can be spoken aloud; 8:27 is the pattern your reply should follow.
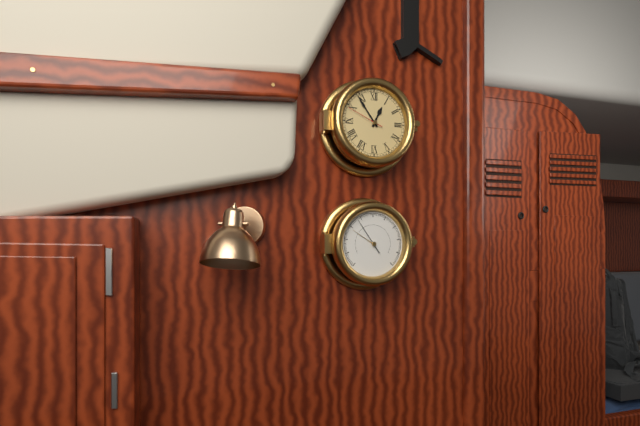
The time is 12:54
